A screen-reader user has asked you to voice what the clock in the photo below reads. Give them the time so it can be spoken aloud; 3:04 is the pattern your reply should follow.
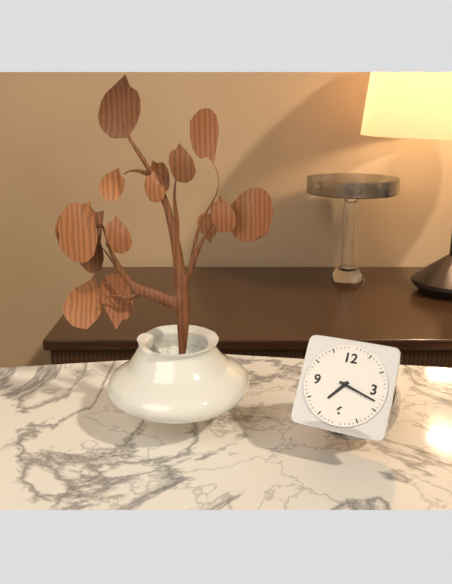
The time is 7:18
